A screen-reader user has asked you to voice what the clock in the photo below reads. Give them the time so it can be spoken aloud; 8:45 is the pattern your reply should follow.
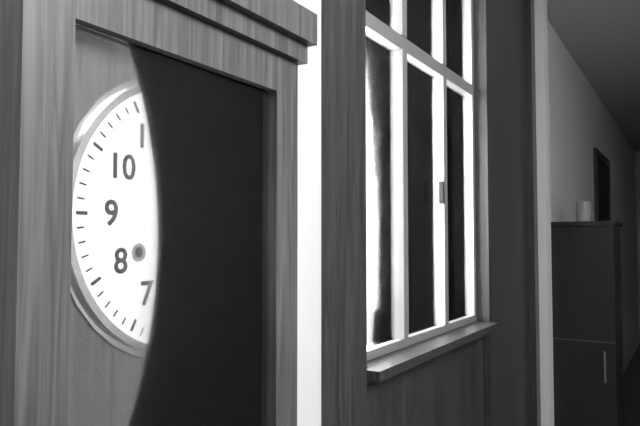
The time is 1:32
